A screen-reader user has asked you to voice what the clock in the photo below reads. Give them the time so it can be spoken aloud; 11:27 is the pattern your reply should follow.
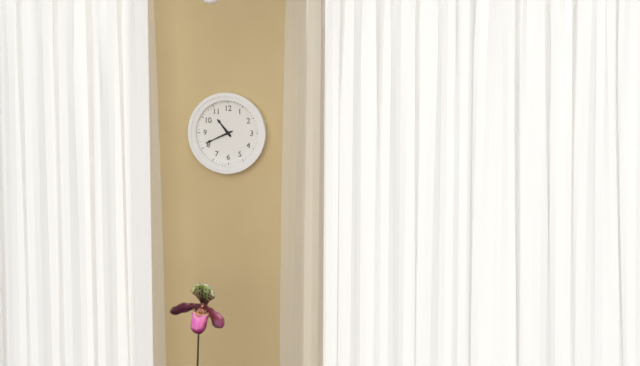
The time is 10:41
